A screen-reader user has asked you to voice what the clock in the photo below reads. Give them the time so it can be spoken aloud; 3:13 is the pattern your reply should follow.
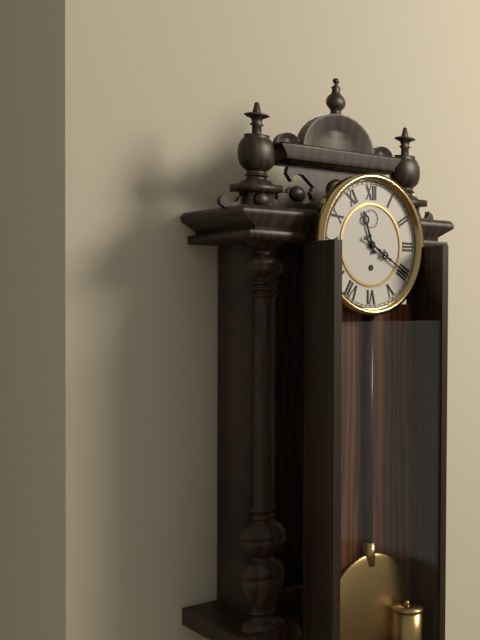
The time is 11:20
